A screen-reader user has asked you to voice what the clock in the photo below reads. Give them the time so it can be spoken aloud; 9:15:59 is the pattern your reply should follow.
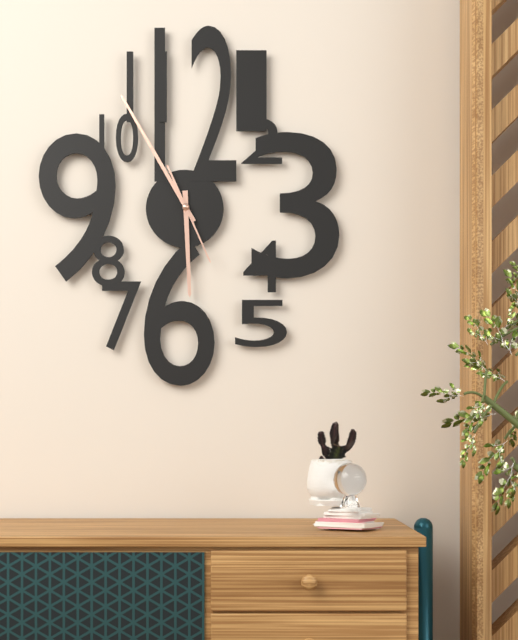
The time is 5:55:26
